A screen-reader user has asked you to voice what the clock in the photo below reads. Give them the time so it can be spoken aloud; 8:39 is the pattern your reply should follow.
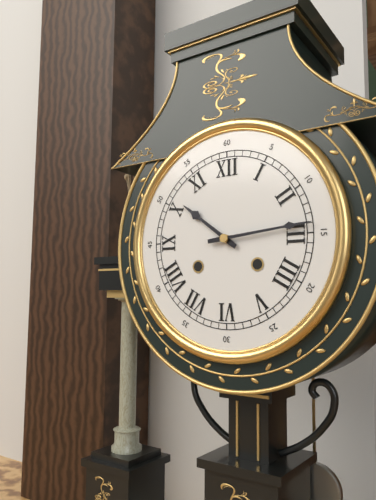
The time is 10:14
